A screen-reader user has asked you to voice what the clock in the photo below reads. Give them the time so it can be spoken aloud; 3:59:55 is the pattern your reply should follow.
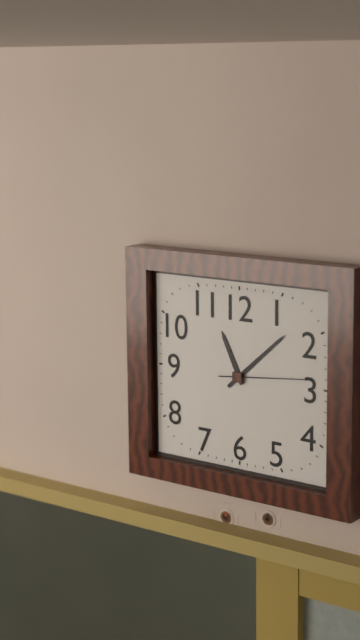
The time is 11:08:14
